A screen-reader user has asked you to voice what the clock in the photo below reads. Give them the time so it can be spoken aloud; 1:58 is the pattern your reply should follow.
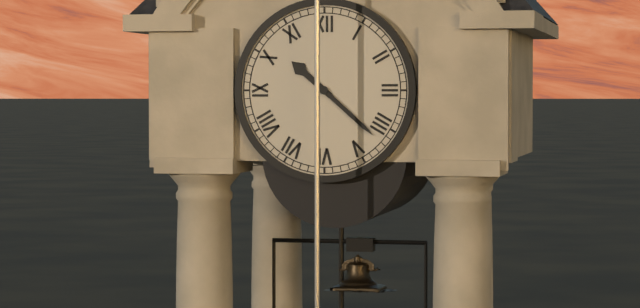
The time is 10:22
